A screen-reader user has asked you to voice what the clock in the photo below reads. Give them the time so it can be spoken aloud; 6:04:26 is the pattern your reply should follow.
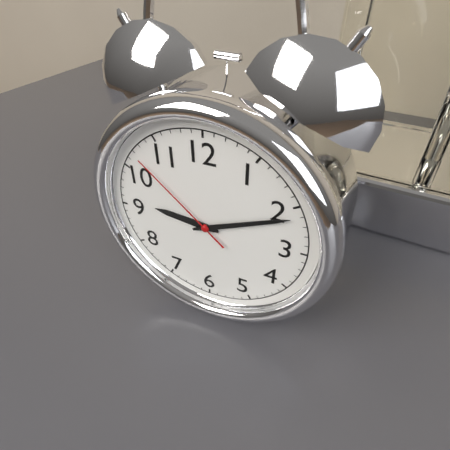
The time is 9:11:52
